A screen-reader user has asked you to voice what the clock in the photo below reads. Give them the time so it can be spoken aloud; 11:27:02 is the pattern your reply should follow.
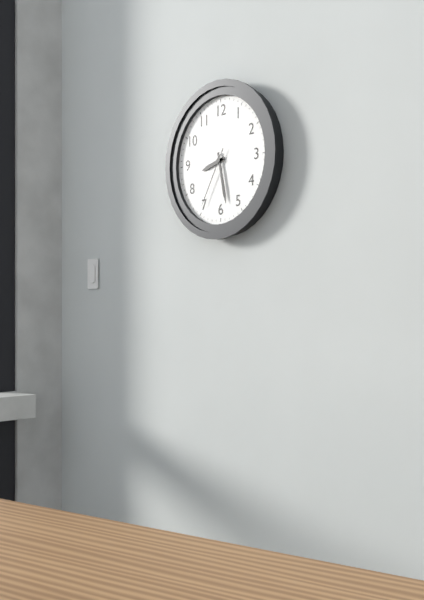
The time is 8:28:35
